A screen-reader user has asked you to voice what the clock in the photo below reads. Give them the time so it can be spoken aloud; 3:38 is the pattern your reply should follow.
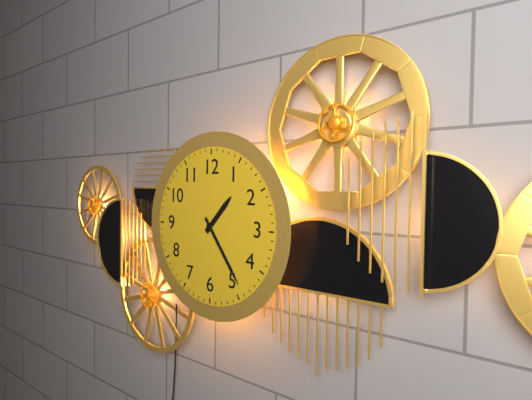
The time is 1:24
